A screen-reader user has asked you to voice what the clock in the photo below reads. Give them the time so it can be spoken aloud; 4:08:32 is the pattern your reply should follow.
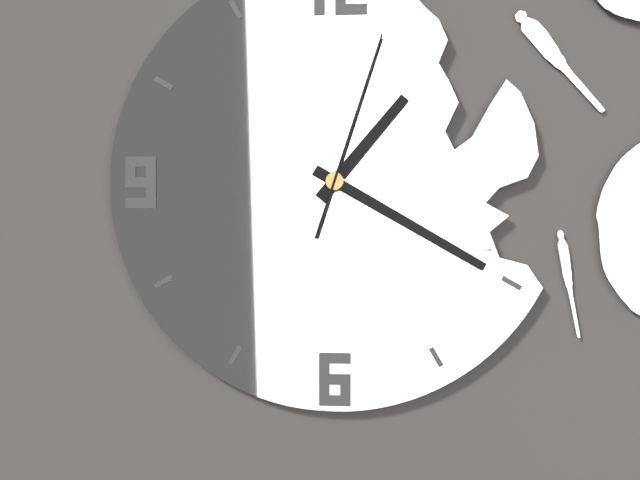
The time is 1:20:03
